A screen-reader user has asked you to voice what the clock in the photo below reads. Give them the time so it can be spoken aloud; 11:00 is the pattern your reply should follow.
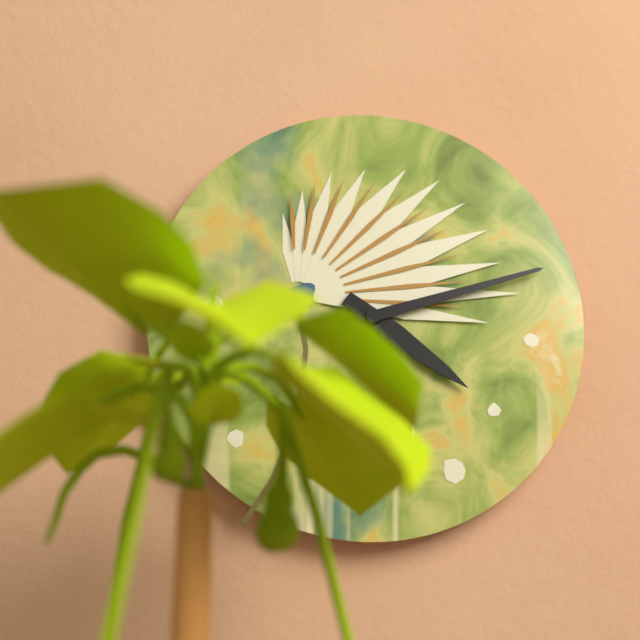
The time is 4:12
